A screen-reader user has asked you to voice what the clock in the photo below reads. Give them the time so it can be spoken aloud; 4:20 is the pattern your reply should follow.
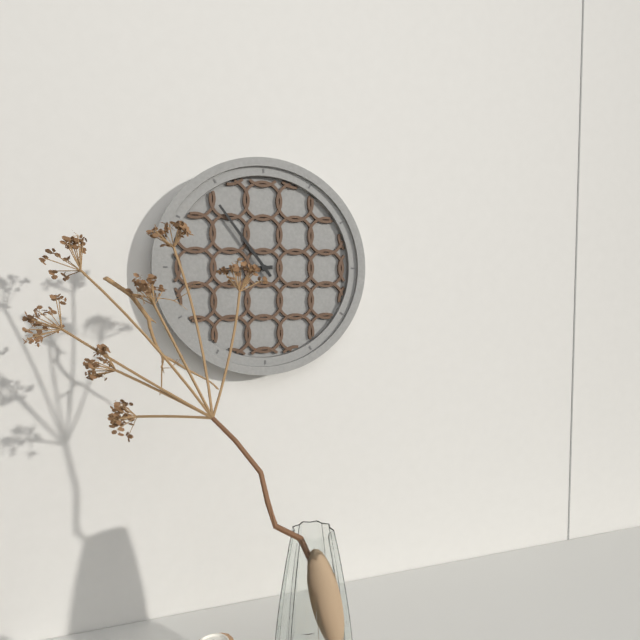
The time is 8:54
